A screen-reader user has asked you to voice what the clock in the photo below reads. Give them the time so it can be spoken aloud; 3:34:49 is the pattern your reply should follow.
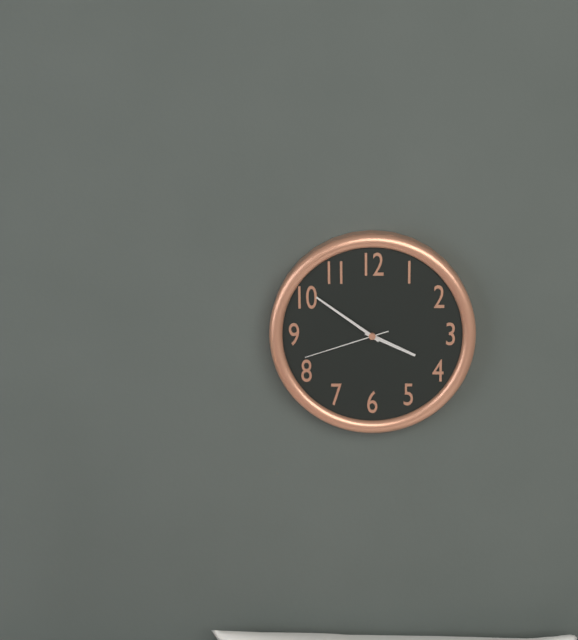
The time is 3:51:42
